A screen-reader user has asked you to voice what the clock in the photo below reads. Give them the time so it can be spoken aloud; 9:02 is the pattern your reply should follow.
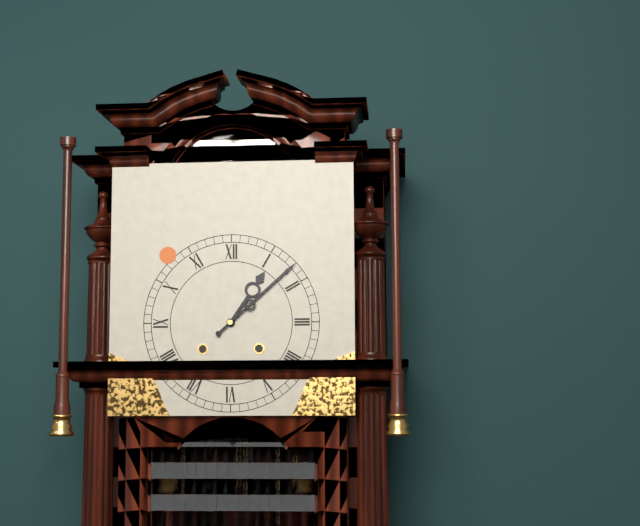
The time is 1:08
